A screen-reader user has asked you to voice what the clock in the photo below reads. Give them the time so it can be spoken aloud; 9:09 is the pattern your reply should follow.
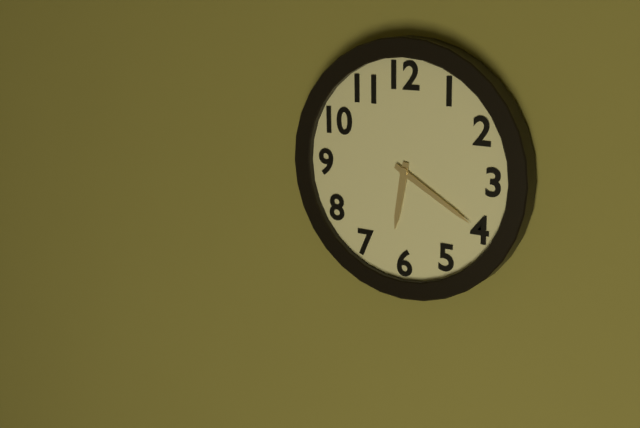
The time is 6:20
